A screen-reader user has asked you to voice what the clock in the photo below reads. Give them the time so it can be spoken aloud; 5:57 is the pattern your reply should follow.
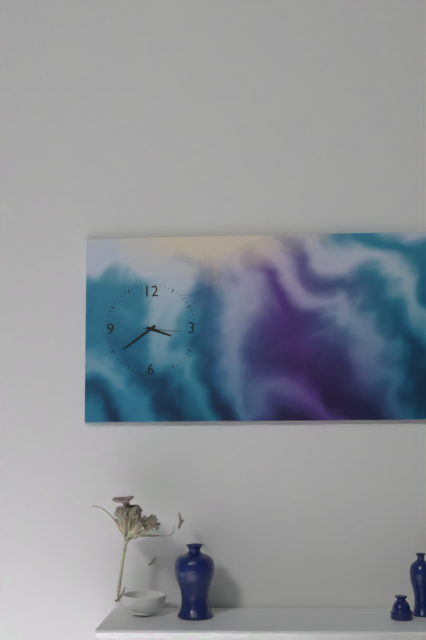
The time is 3:39
